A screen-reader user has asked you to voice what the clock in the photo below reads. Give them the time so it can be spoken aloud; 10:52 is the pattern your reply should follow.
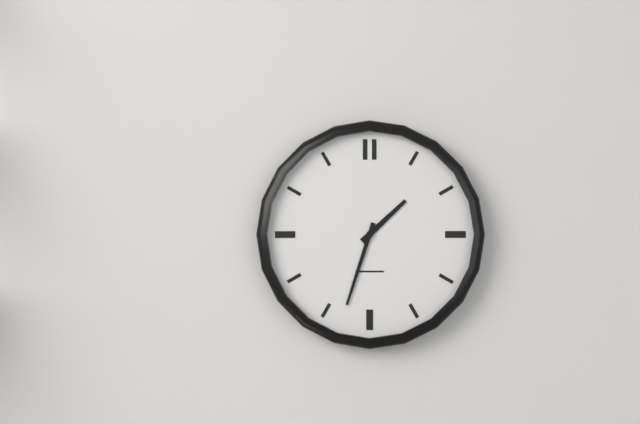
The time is 1:33
